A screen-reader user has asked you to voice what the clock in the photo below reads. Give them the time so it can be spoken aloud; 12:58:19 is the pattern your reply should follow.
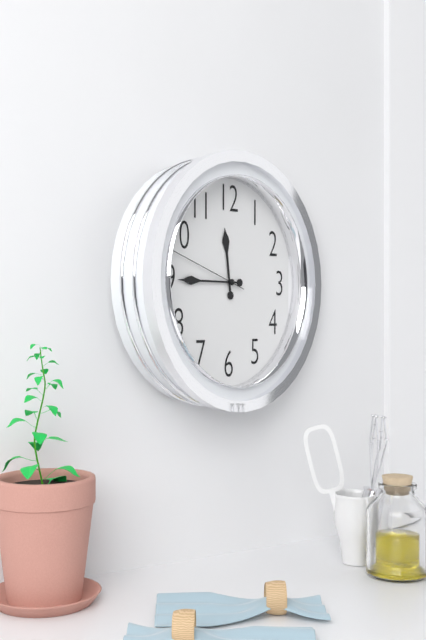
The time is 11:45:48
